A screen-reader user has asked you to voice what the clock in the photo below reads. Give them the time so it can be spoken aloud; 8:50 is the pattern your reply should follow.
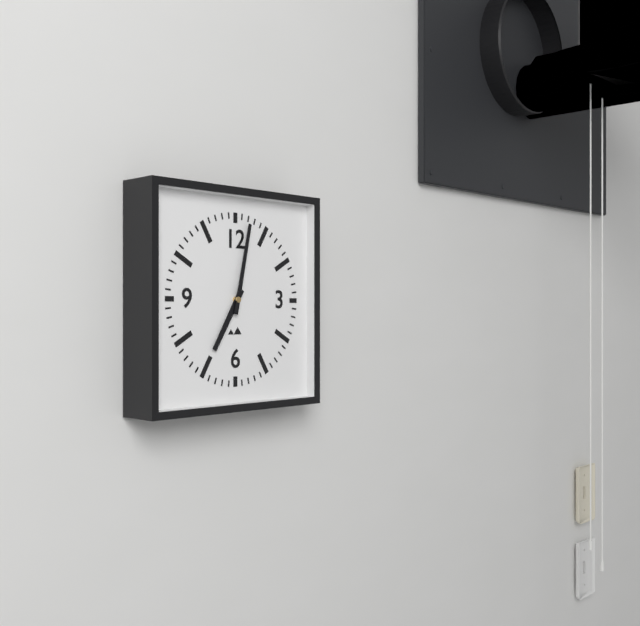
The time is 7:02
